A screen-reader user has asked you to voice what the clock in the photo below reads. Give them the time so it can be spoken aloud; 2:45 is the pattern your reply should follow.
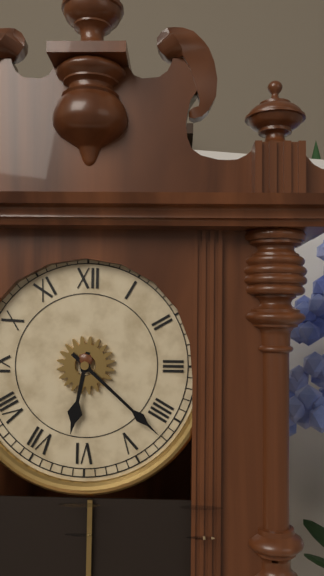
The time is 6:22
